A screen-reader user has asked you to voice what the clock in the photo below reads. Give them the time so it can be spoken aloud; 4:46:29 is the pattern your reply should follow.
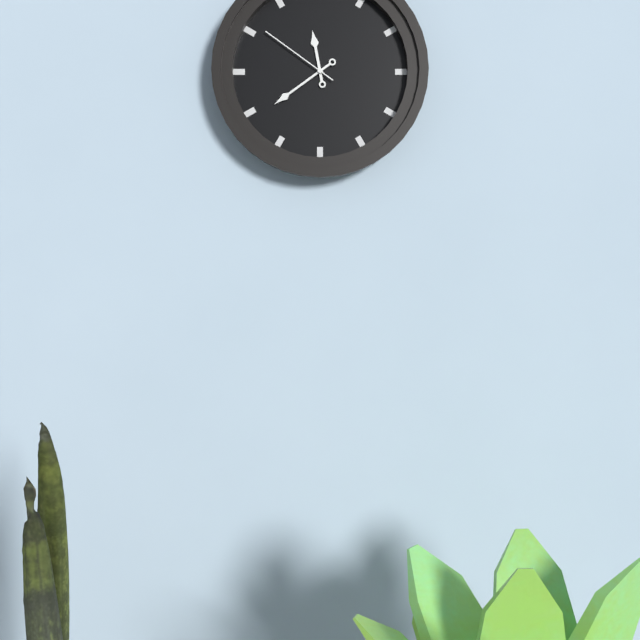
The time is 11:39:51
